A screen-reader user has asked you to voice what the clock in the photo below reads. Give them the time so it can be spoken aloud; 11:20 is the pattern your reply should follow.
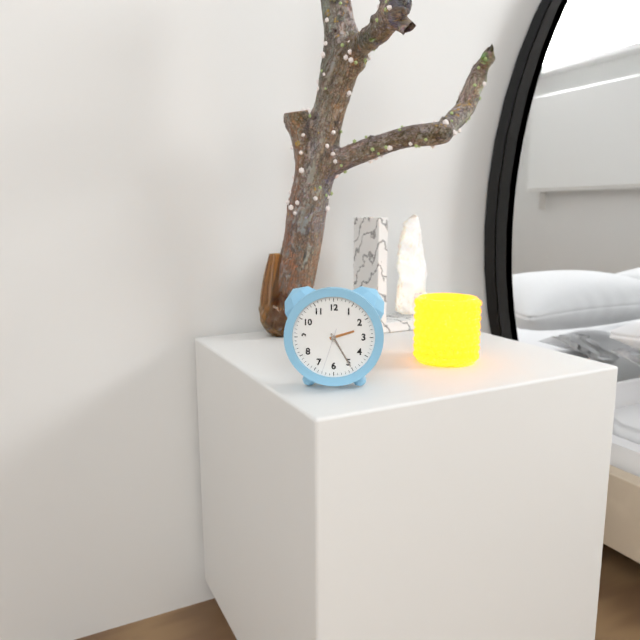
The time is 2:25
